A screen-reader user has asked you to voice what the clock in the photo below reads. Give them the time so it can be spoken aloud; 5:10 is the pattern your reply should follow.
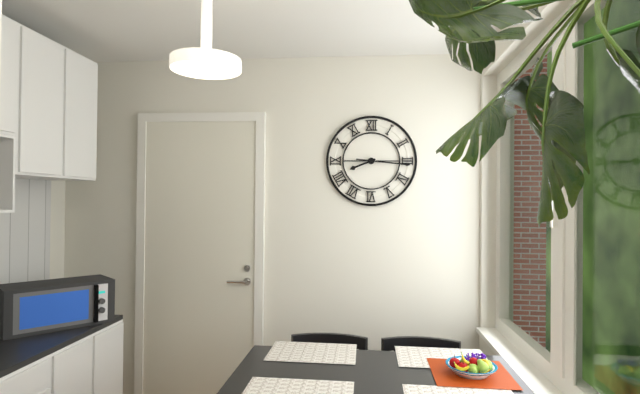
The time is 8:16
